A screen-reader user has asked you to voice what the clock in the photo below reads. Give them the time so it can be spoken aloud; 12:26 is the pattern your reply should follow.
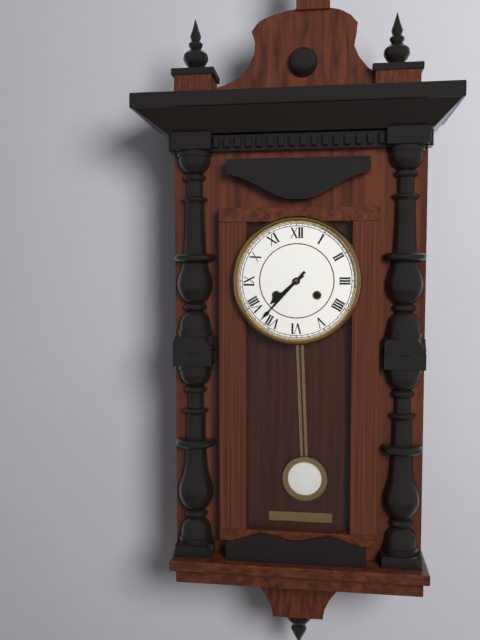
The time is 7:37
